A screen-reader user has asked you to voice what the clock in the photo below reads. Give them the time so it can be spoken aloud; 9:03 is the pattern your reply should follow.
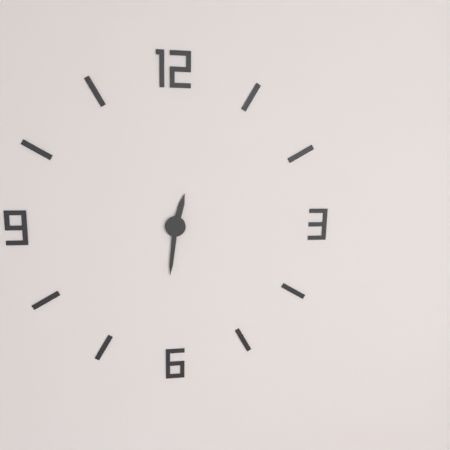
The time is 12:31
